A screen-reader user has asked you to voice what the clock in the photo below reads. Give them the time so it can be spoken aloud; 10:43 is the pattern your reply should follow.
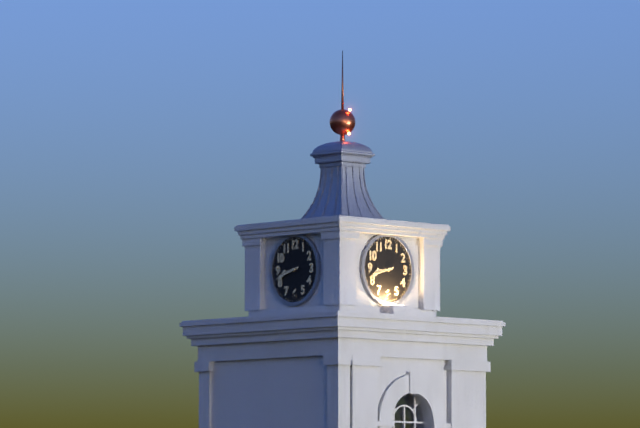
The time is 8:42
